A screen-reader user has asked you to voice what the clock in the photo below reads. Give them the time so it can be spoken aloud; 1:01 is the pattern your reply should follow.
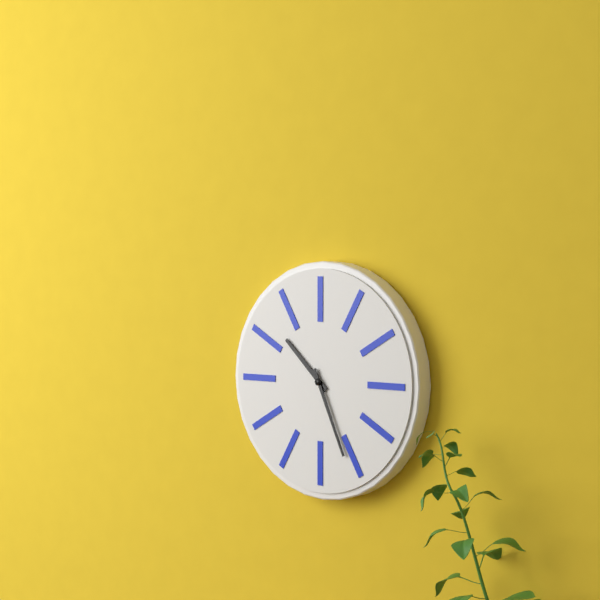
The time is 10:26
